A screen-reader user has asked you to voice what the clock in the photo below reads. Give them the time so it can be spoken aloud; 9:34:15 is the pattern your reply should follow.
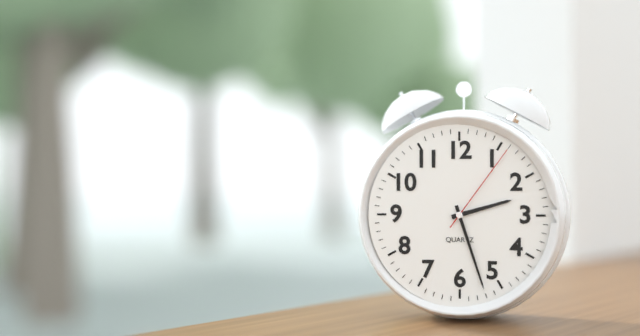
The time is 2:27:06
